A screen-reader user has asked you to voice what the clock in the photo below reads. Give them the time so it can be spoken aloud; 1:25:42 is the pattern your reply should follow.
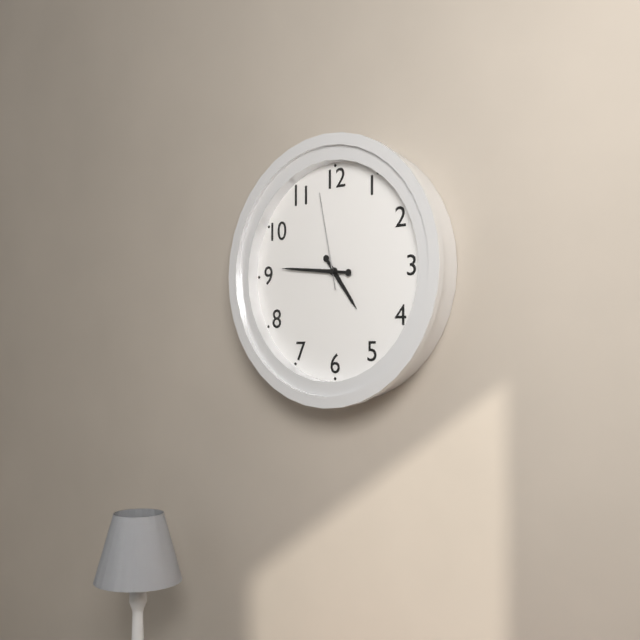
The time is 4:46:58
